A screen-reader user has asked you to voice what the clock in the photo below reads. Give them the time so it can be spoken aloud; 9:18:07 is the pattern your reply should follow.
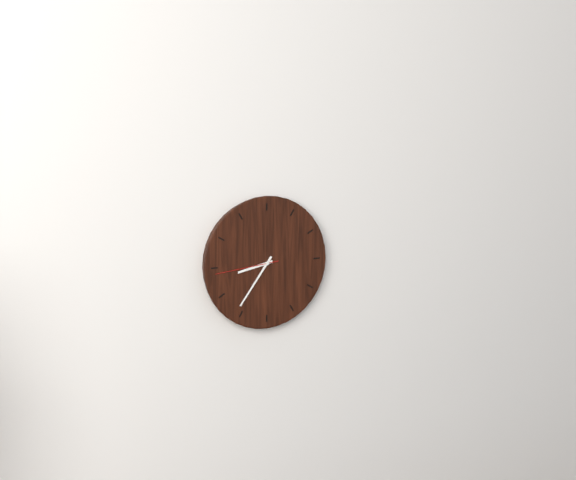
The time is 8:36:44
